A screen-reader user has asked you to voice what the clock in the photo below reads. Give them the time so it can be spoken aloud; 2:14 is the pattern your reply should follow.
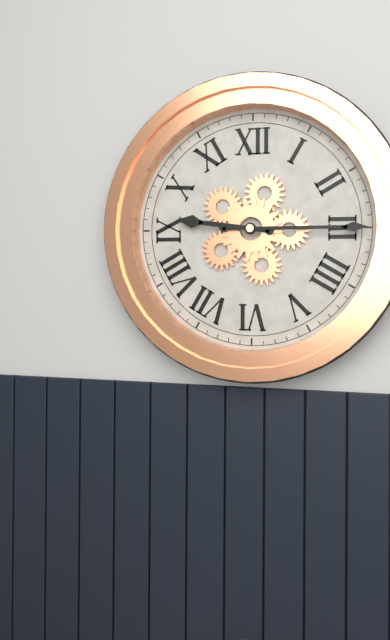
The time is 9:15
